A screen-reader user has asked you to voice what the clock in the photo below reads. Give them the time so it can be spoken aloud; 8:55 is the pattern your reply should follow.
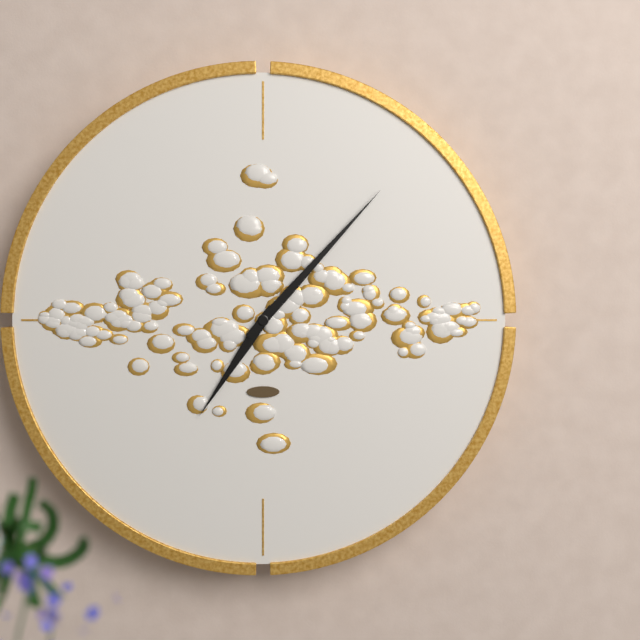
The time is 7:07
